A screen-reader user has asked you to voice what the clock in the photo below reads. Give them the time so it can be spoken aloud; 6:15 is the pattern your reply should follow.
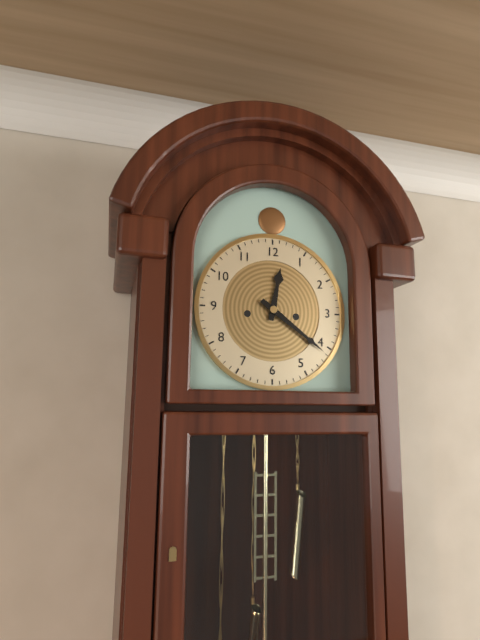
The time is 12:21
